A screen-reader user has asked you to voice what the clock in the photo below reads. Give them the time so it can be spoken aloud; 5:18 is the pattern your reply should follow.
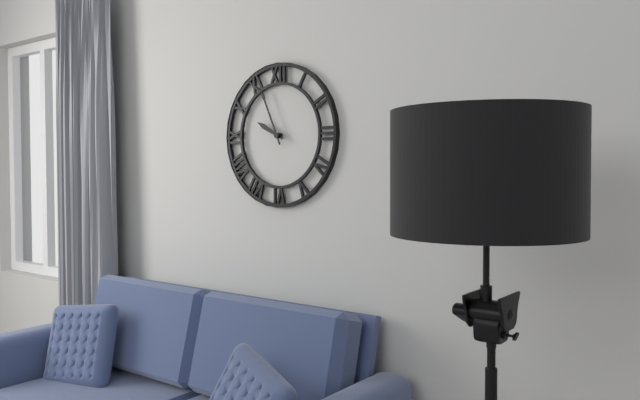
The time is 9:56
